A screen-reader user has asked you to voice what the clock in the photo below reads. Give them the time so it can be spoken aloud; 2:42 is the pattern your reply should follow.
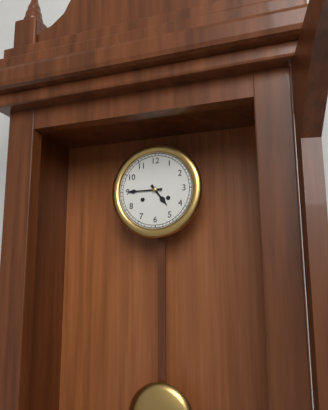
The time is 4:45
